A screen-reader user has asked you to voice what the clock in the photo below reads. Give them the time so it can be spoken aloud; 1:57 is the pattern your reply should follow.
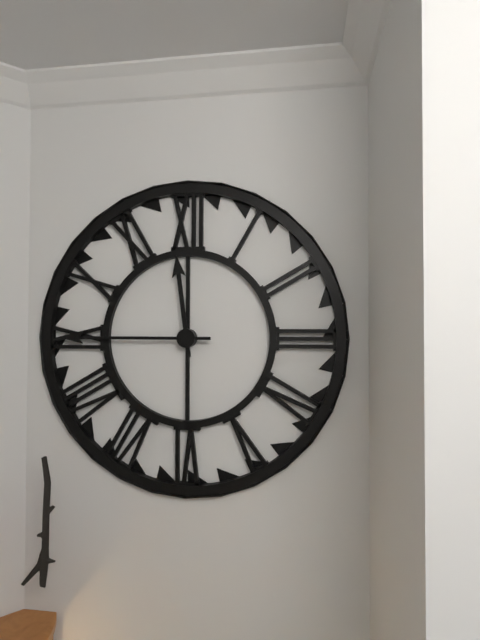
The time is 11:45
